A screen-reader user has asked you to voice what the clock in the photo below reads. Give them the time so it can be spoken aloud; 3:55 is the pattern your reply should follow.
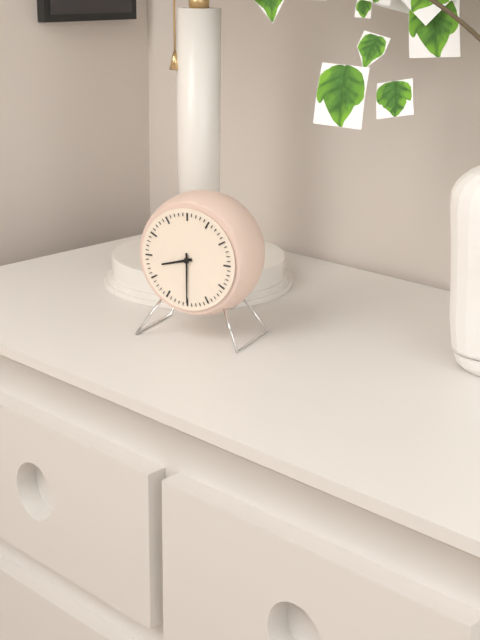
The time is 8:30
